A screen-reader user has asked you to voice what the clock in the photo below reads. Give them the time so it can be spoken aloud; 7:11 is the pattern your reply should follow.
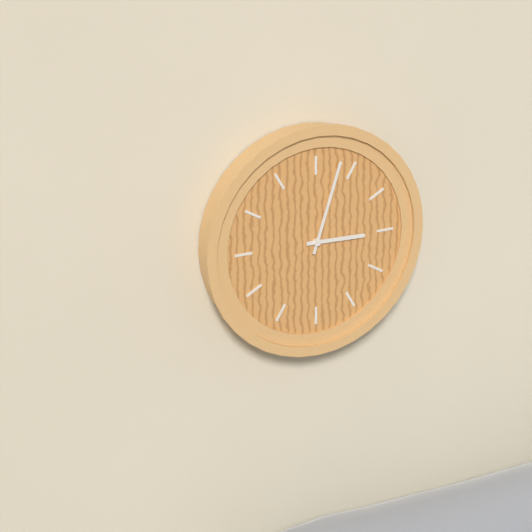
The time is 3:03
